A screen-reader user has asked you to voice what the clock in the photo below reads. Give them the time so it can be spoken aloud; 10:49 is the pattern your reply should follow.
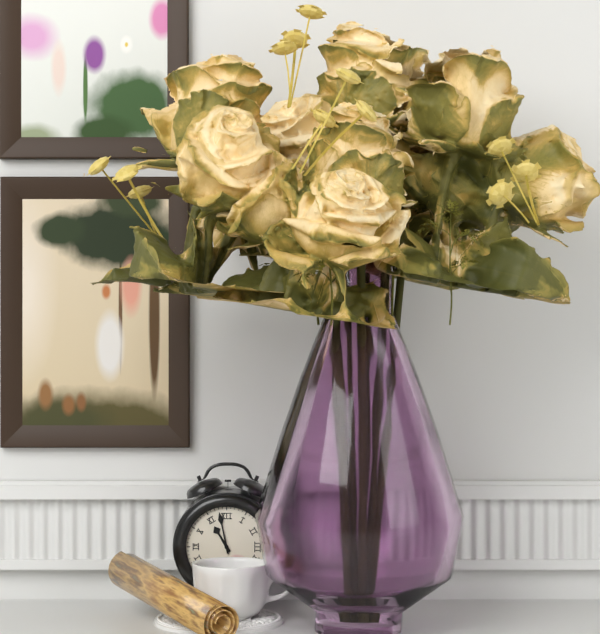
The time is 10:58
